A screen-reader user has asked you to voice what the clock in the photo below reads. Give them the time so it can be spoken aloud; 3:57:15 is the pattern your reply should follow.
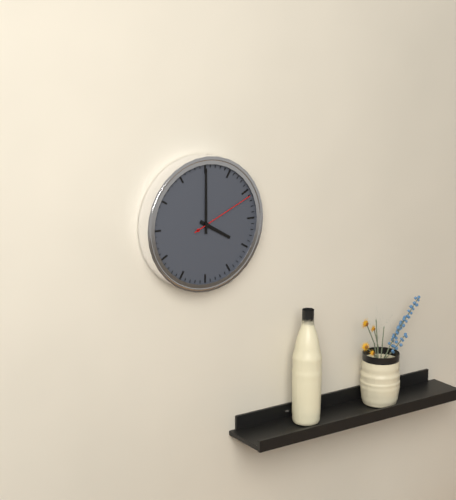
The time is 4:00:11
